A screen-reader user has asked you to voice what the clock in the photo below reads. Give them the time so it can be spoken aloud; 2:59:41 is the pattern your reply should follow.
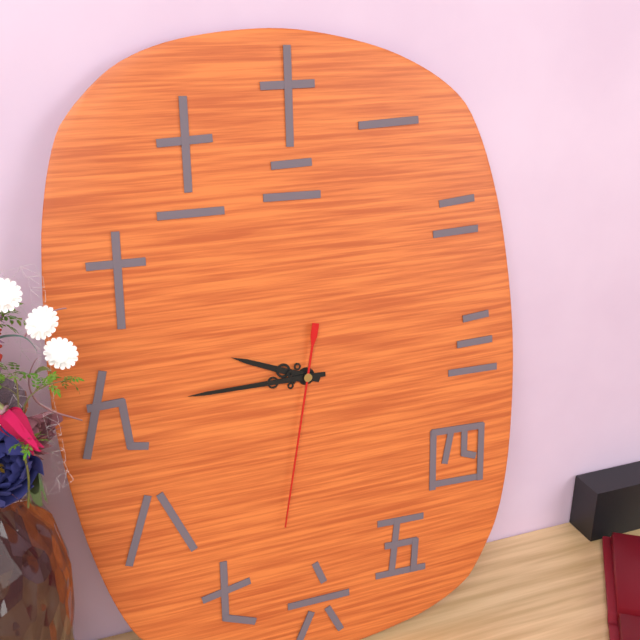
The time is 9:45:32
